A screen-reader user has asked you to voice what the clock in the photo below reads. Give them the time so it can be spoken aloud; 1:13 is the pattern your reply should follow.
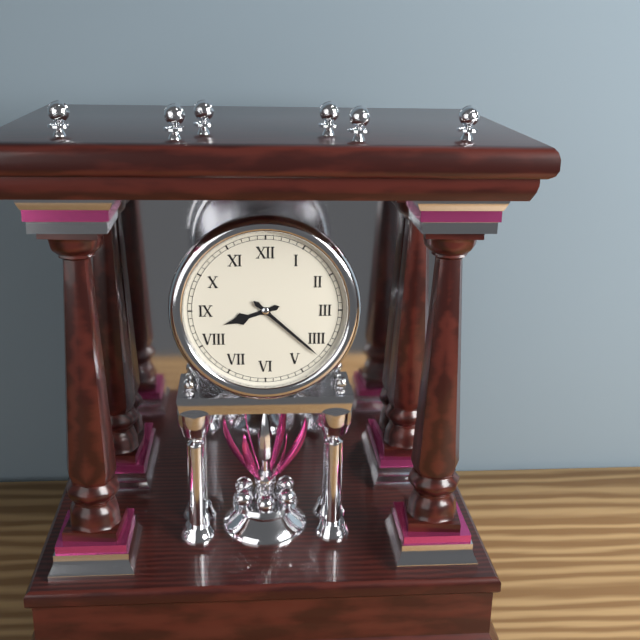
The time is 8:22
